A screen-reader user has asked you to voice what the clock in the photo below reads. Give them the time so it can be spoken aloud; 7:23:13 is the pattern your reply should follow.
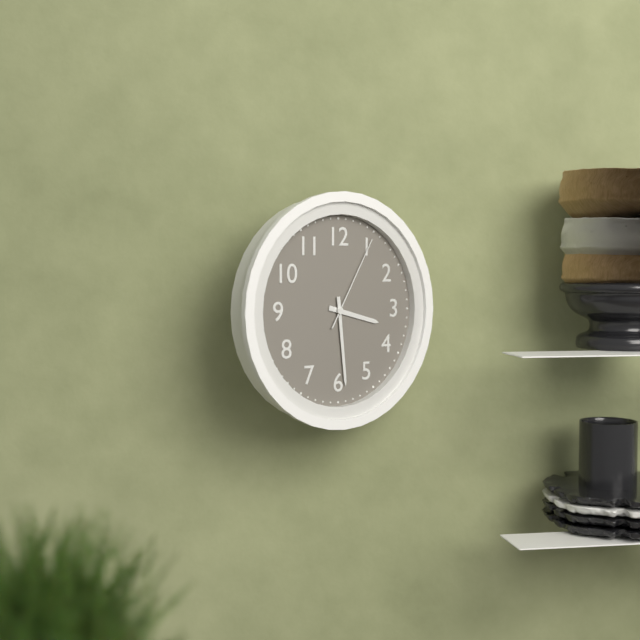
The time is 3:29:05
